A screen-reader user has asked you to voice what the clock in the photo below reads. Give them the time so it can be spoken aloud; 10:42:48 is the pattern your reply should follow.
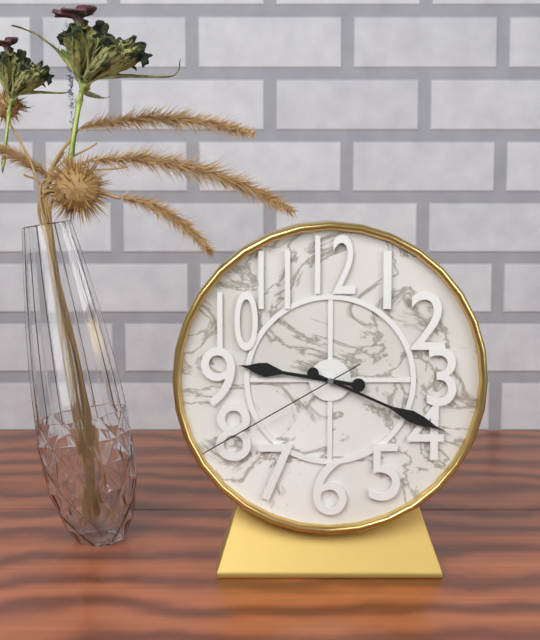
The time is 9:19:40
